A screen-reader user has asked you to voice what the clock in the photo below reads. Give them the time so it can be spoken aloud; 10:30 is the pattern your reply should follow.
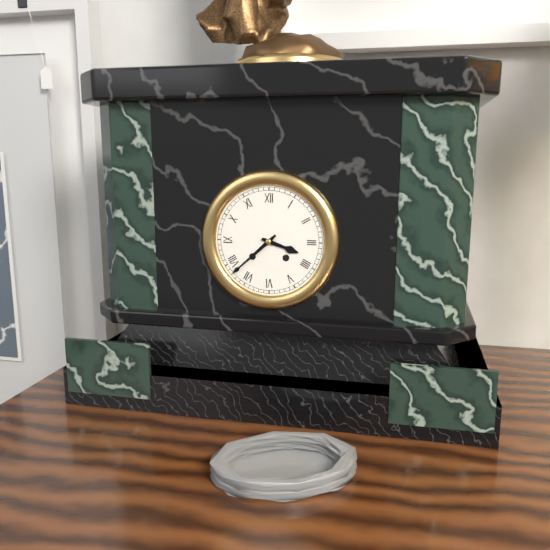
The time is 3:38
